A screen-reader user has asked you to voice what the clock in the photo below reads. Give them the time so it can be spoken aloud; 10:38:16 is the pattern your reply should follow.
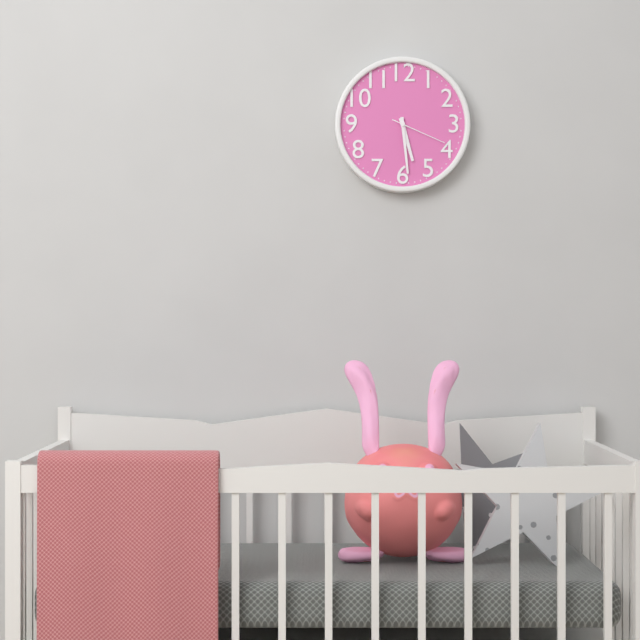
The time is 5:29:19
